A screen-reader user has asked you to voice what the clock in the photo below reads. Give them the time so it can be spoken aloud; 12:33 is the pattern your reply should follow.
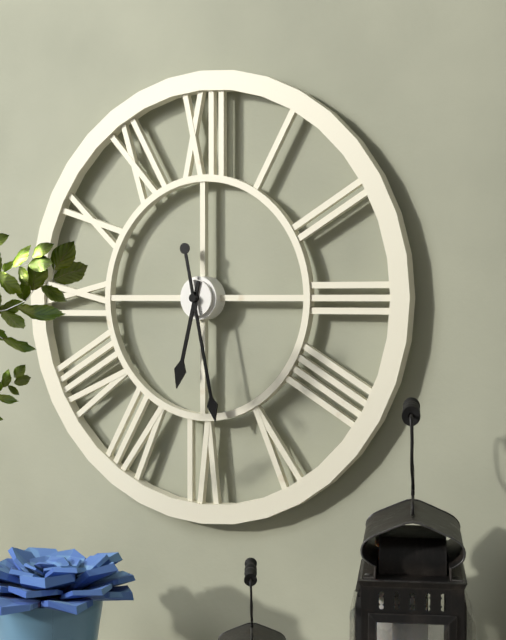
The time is 6:28
